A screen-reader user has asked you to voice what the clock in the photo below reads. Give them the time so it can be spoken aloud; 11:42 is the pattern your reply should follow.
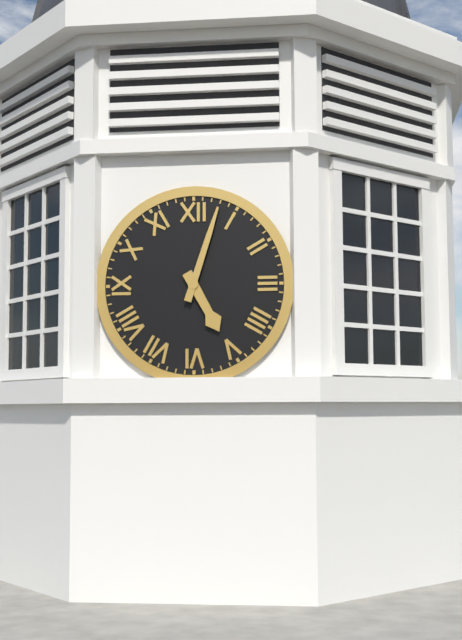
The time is 5:03
